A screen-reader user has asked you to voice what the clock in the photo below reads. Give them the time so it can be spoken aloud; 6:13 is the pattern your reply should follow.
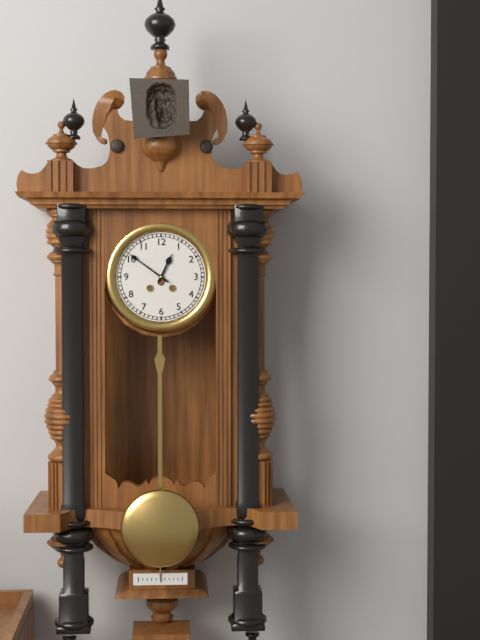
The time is 12:51
